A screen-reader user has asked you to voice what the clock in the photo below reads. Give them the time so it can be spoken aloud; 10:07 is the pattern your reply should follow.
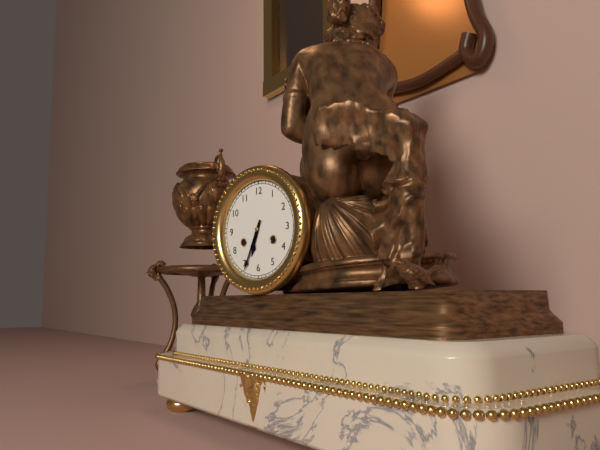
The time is 6:34
